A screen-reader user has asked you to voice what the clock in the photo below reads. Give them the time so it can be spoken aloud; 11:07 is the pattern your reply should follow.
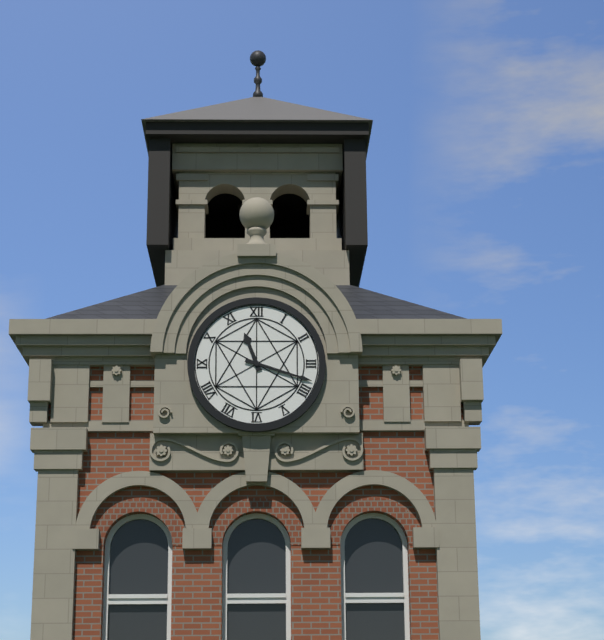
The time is 11:18
